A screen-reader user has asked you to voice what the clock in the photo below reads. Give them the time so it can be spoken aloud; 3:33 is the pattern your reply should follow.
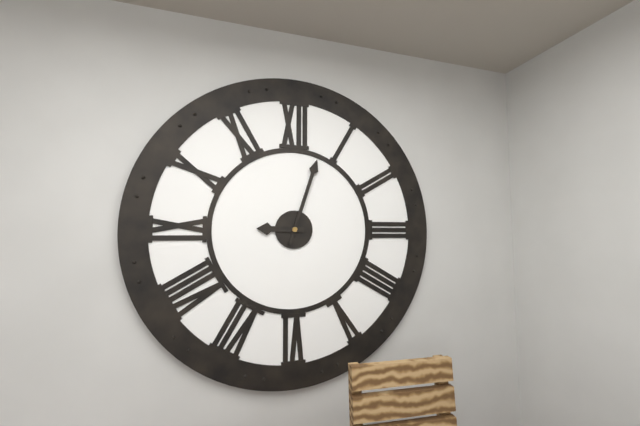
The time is 9:03
